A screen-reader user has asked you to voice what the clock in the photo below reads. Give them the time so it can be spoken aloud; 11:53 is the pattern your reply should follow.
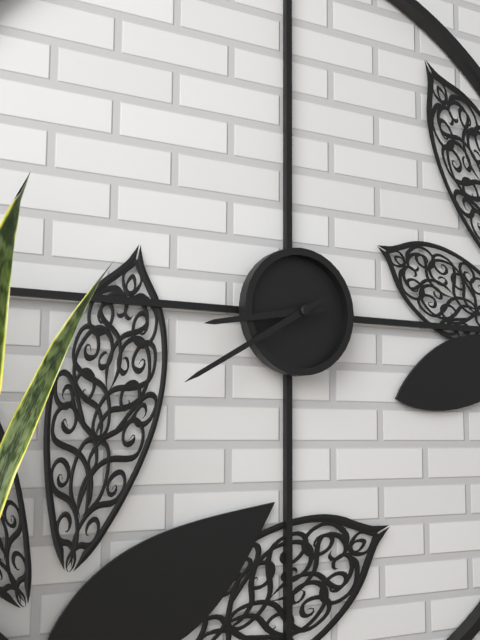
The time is 8:40
